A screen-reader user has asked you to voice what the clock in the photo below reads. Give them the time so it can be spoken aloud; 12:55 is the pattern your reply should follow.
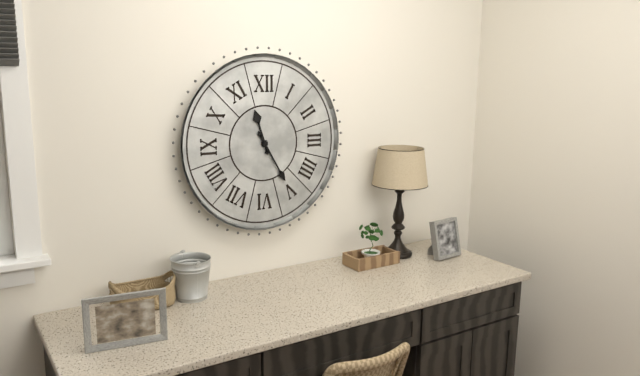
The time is 11:25
